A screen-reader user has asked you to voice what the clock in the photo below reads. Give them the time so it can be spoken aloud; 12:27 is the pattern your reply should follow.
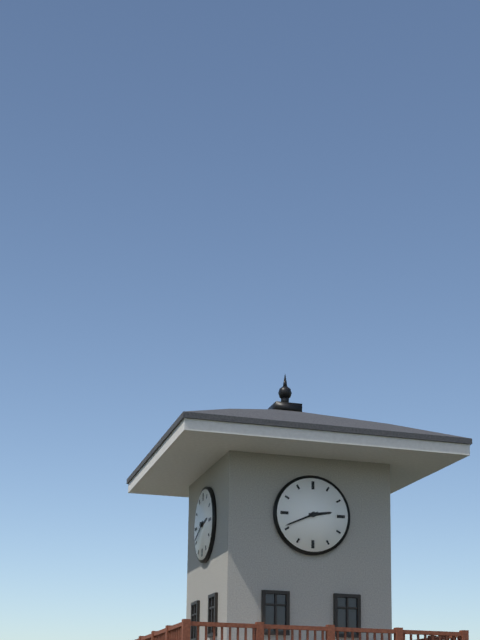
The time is 2:41
